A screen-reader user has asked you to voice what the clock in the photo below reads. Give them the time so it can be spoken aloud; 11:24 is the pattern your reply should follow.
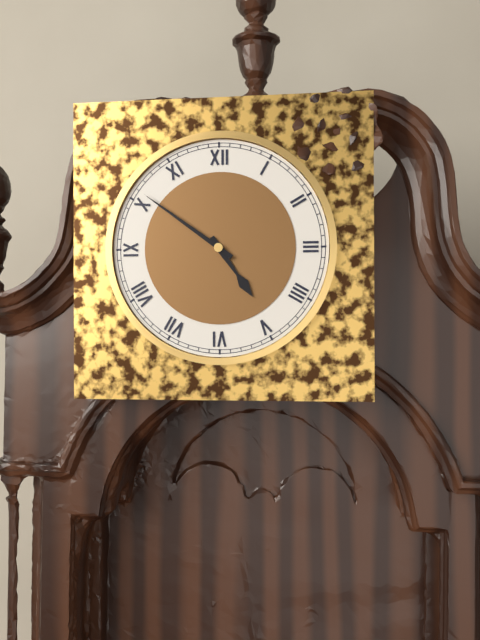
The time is 4:51
